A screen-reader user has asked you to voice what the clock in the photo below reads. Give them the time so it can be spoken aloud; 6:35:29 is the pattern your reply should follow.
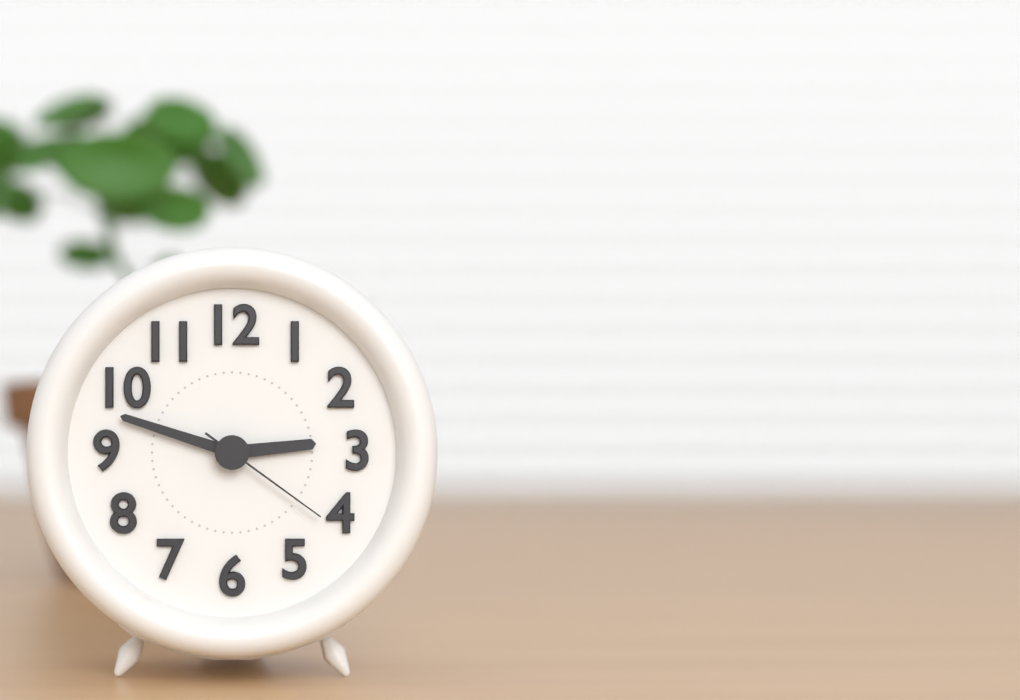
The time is 2:48:21
